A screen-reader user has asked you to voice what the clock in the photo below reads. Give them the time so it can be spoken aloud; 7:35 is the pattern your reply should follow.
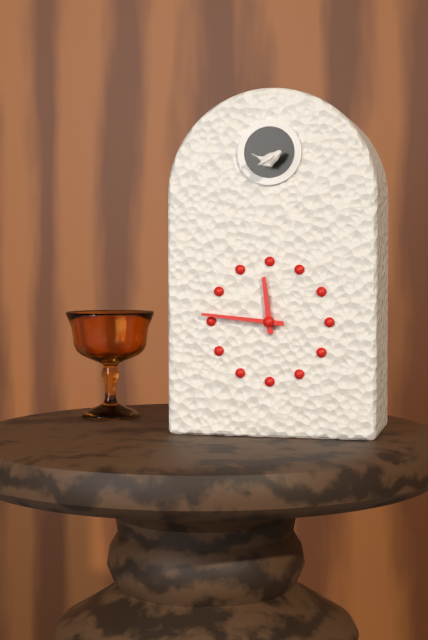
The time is 11:46
